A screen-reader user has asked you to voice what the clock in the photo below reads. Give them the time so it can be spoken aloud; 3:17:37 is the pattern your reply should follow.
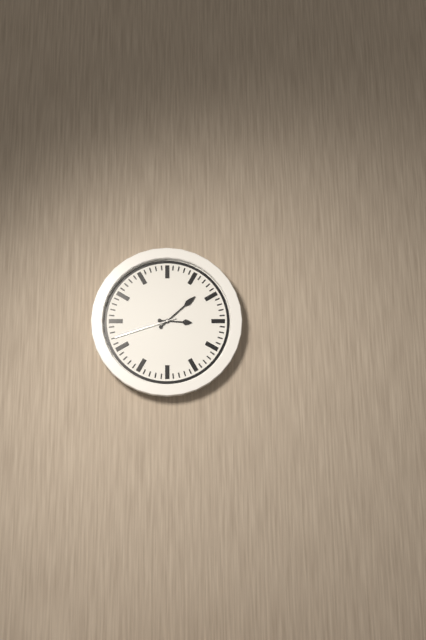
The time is 3:08:42
